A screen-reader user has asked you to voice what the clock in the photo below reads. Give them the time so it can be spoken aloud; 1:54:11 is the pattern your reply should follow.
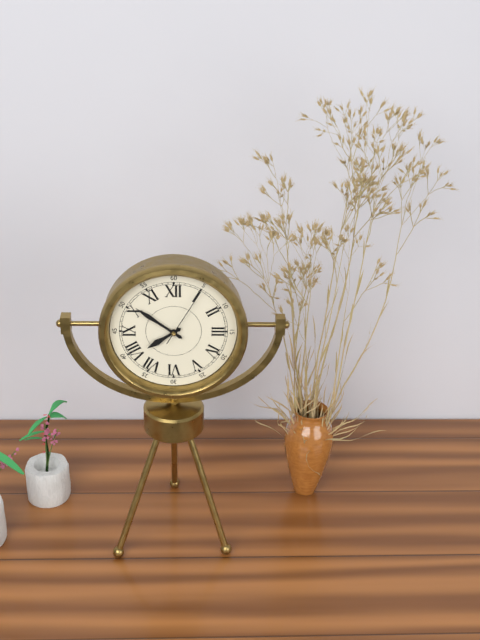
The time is 7:51:05
